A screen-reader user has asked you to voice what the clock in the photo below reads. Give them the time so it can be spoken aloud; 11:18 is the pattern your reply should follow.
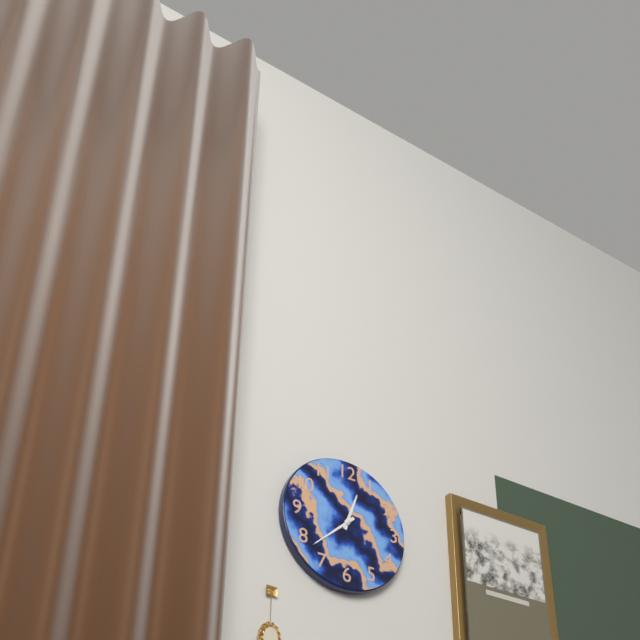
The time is 12:38
